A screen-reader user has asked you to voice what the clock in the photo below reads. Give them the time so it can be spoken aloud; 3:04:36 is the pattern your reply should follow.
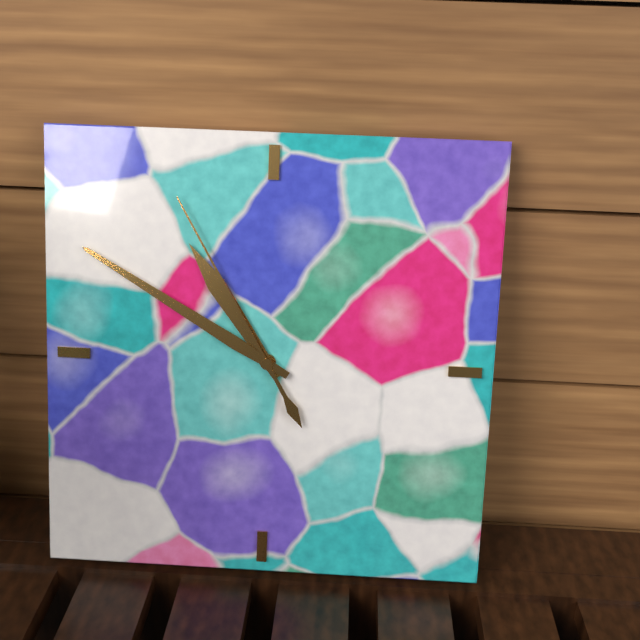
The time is 10:50:55
